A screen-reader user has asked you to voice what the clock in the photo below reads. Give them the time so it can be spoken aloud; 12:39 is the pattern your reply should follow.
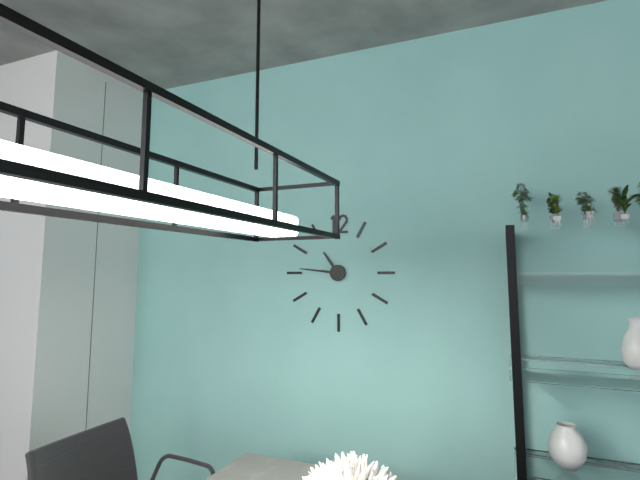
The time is 10:46
